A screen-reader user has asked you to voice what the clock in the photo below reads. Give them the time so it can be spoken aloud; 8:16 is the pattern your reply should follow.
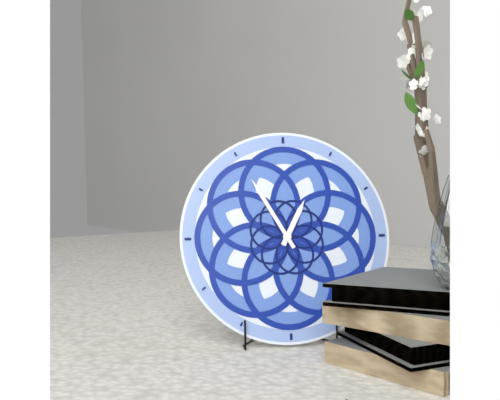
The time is 12:55
